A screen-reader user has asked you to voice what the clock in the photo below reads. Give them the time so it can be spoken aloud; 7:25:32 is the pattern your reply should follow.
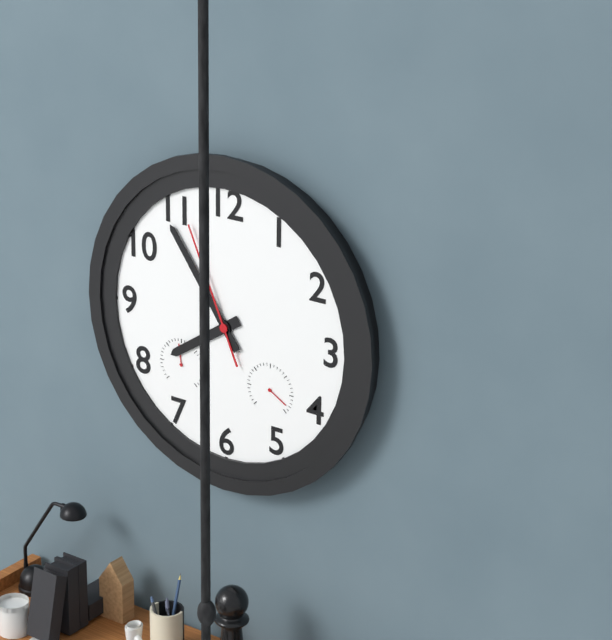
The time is 7:54:56
